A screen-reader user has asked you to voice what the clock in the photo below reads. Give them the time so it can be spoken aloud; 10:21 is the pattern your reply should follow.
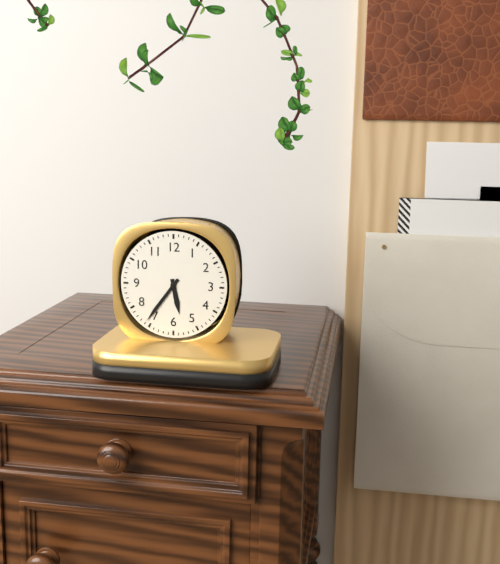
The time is 5:36
